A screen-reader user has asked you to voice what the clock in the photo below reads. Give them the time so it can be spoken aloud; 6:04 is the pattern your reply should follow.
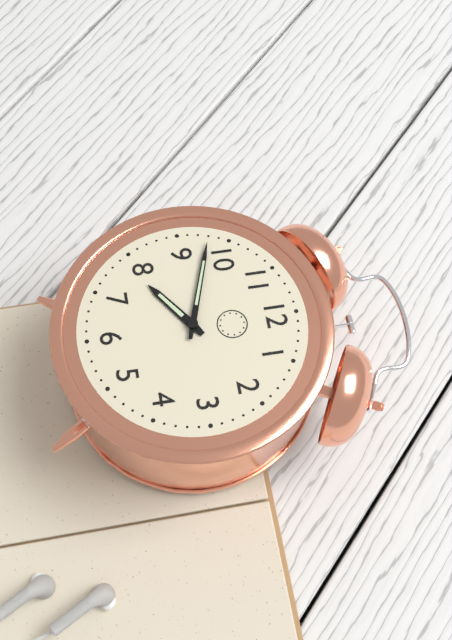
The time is 7:48
